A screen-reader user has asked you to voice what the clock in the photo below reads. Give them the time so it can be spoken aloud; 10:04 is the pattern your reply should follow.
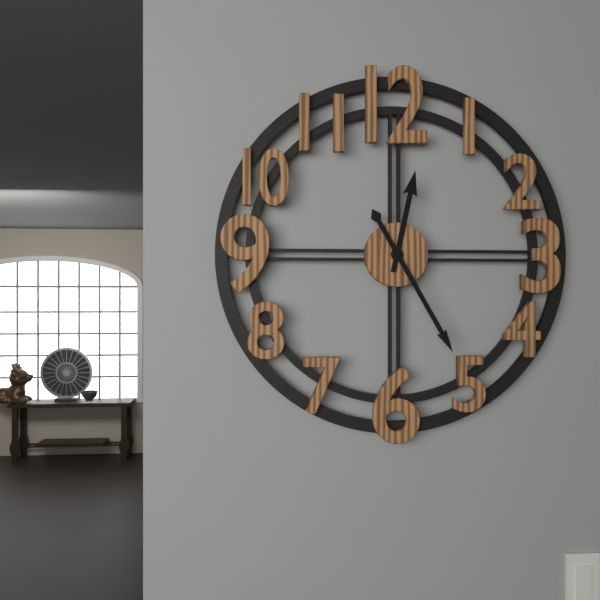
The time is 12:25
